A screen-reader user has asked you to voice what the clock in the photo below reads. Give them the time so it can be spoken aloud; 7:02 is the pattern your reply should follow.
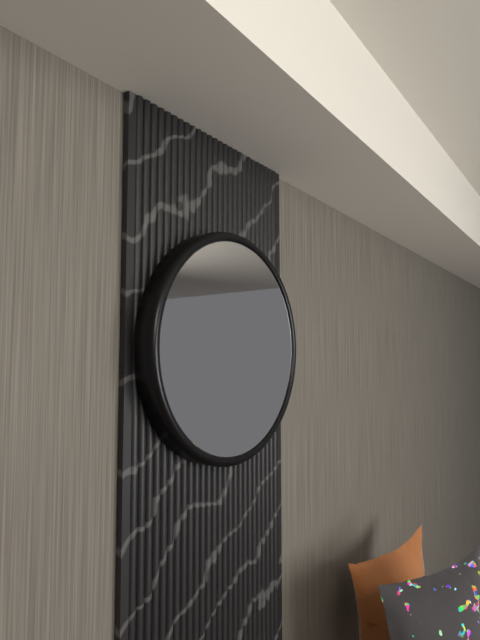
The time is 5:21
